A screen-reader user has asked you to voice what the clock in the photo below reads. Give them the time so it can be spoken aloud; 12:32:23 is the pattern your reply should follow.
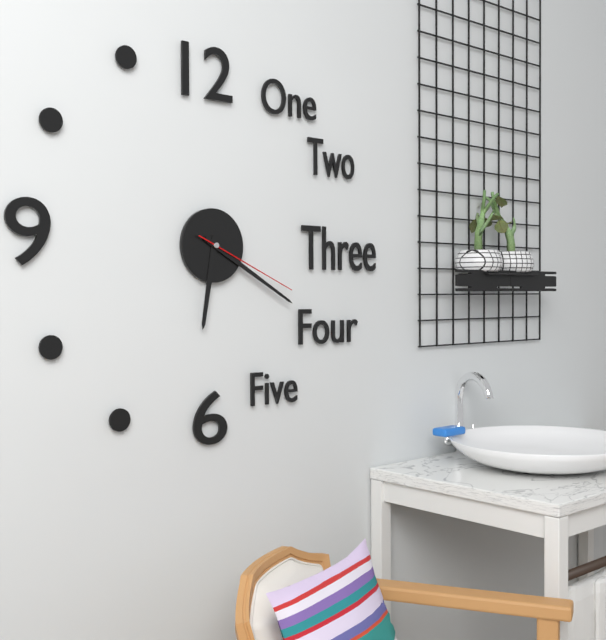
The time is 6:20:19
